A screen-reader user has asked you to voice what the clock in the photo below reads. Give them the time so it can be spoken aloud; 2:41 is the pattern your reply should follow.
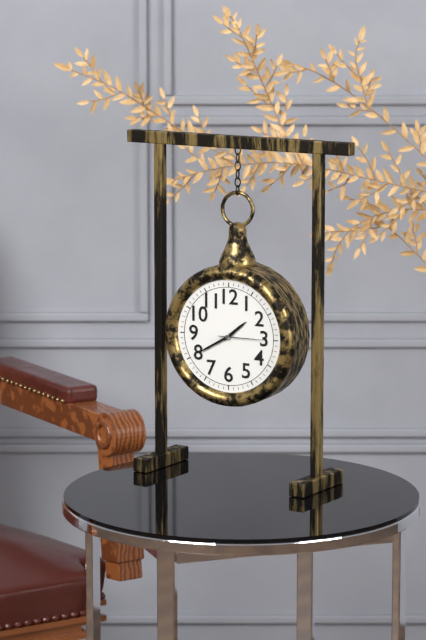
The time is 1:40
